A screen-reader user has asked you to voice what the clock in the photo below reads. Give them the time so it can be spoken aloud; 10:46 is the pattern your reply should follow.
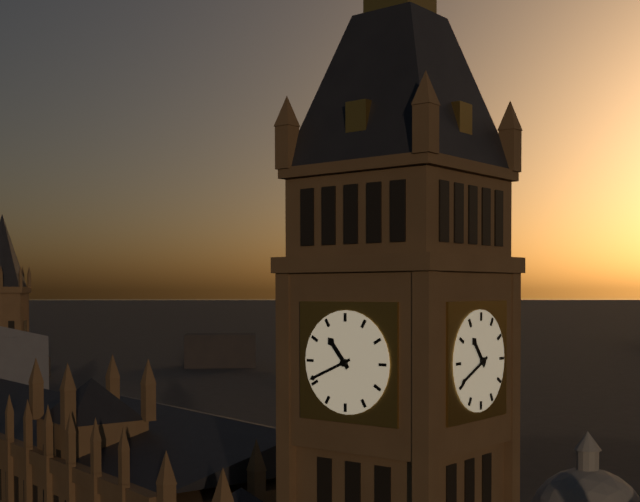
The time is 10:41
